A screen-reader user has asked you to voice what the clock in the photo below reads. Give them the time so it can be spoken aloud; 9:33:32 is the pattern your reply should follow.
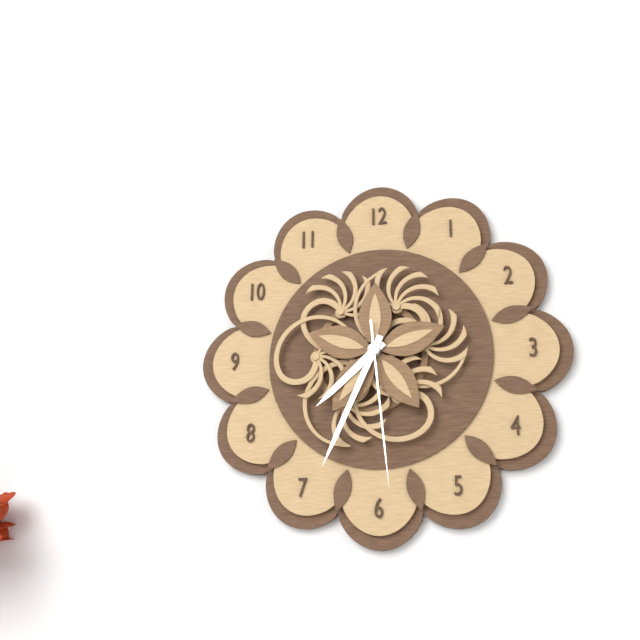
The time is 7:34:29
